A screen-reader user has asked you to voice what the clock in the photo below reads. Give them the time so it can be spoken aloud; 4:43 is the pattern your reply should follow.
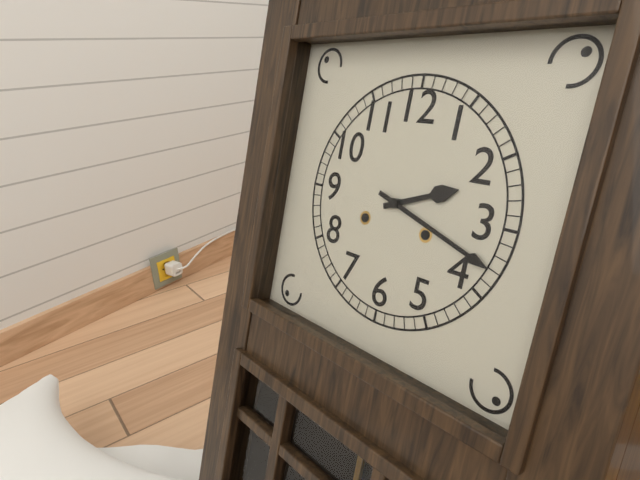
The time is 2:18
